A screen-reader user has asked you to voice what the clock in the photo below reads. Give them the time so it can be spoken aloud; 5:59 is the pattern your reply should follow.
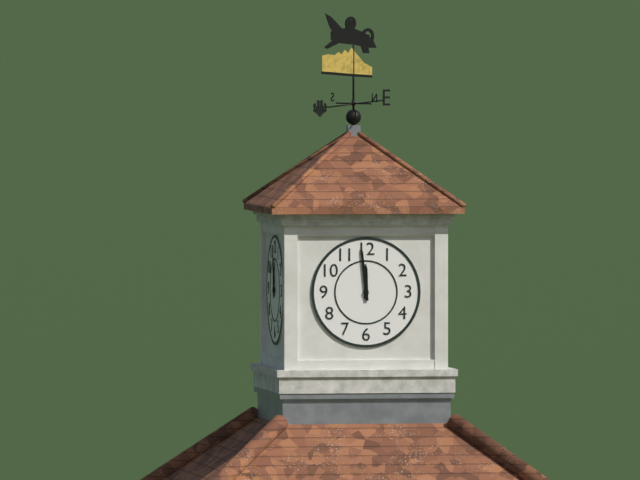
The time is 11:59
